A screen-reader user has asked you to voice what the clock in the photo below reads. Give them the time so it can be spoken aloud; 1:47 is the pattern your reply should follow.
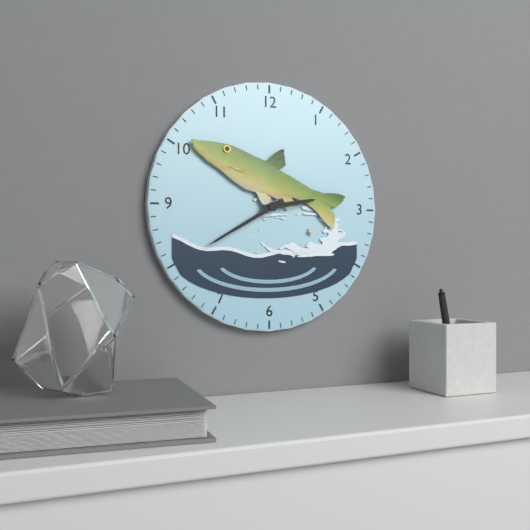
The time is 2:40
